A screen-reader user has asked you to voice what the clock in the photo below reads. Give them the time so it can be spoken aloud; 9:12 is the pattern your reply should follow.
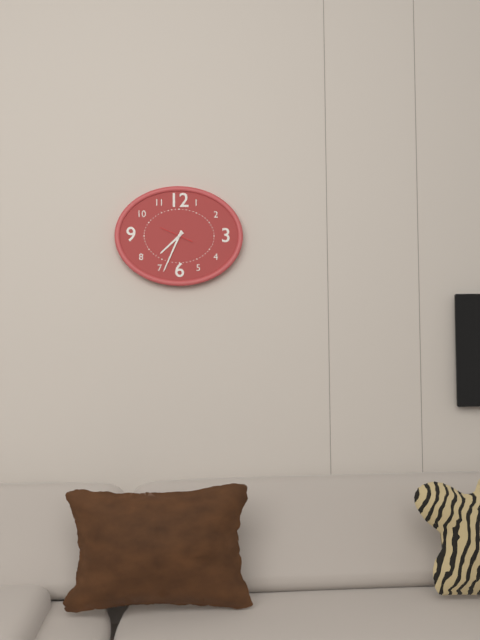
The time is 7:34
